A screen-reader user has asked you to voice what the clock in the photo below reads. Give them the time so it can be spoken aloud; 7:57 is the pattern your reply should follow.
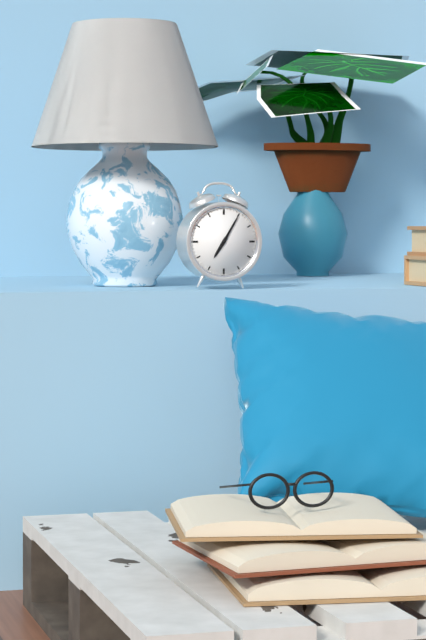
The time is 7:05
